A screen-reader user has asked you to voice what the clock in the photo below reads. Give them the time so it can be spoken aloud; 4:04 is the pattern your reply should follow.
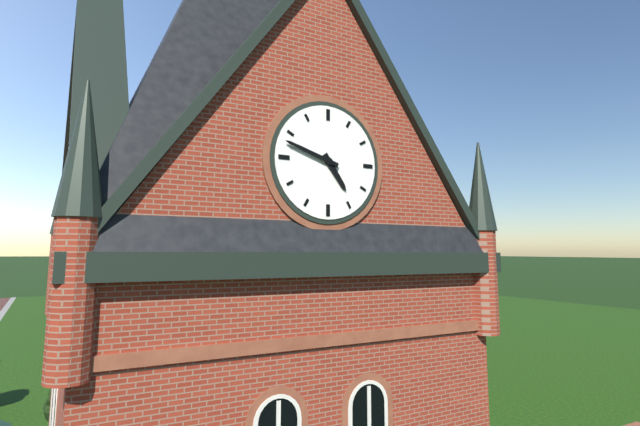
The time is 4:48
